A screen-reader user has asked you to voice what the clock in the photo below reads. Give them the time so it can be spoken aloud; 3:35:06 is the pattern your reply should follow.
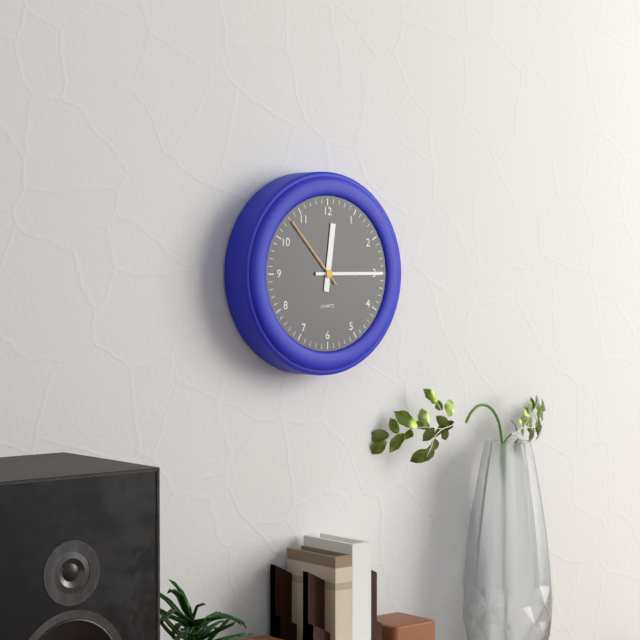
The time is 12:15:53
